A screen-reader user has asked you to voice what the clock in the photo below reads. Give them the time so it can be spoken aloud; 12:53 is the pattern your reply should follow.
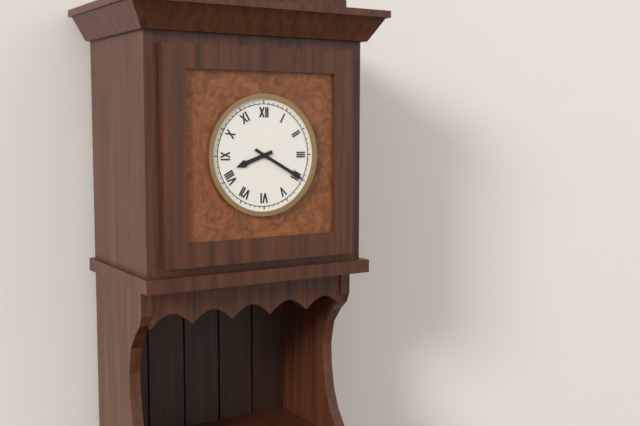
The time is 8:20
